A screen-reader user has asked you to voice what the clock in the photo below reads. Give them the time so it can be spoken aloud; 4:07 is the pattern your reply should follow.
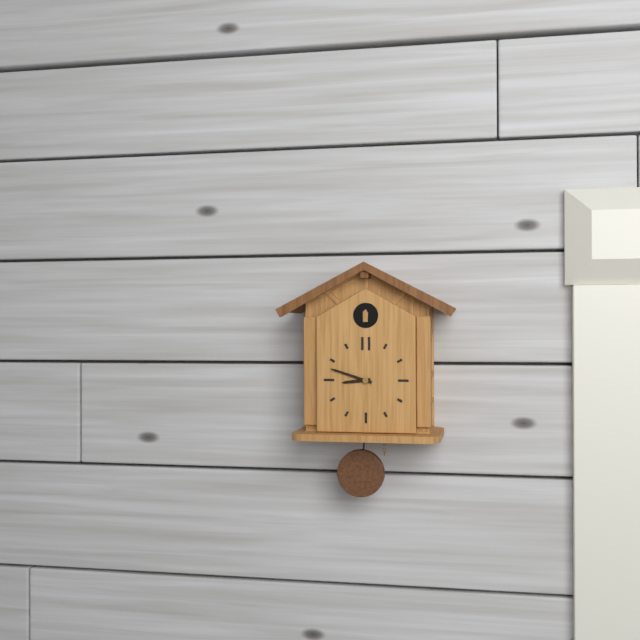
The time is 8:48
